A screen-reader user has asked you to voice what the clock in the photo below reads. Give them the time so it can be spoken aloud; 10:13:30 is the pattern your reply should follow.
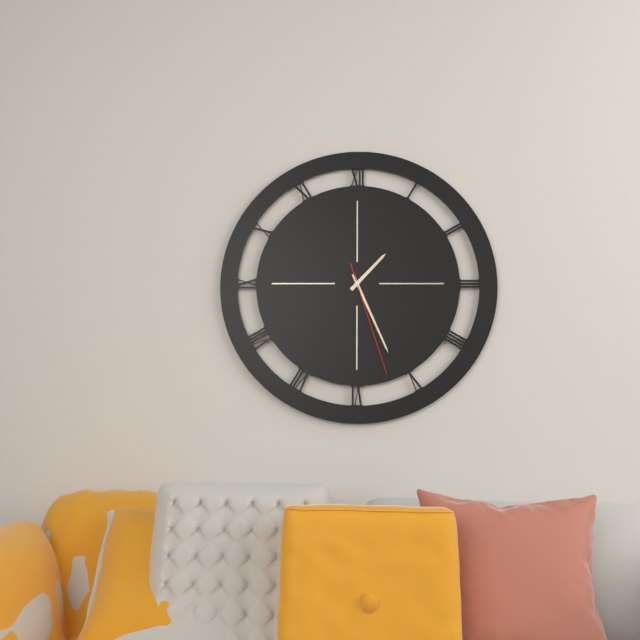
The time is 1:26:27
